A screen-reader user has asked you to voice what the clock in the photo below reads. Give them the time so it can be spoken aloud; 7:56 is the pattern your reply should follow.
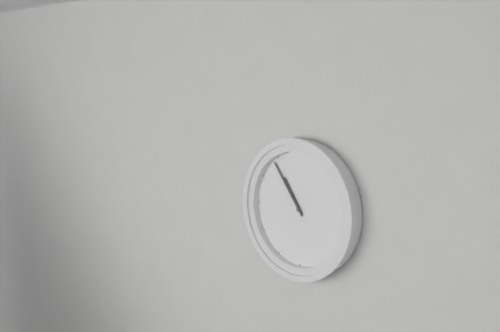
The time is 10:54
